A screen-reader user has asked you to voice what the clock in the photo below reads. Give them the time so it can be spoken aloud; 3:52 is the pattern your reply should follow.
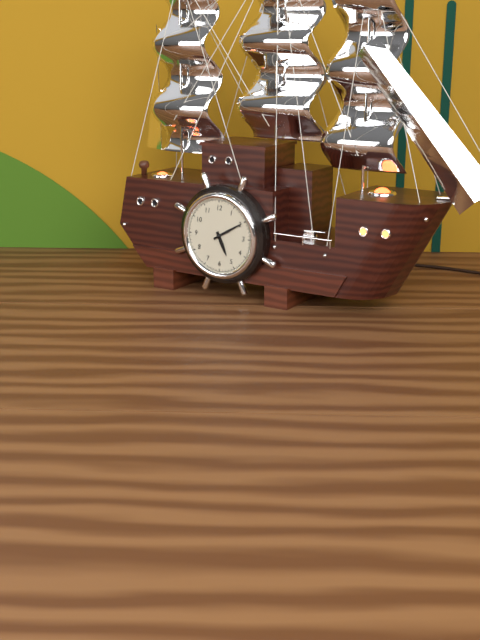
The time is 5:10
